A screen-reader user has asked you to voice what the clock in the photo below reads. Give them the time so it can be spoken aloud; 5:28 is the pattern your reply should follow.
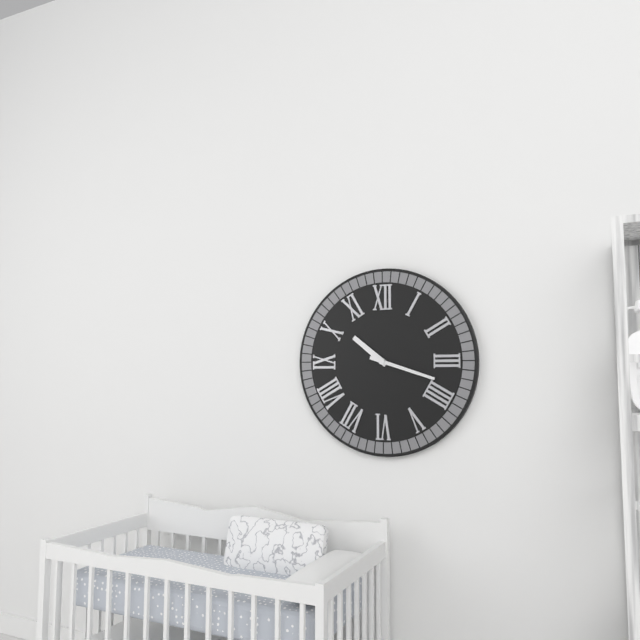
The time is 10:18
